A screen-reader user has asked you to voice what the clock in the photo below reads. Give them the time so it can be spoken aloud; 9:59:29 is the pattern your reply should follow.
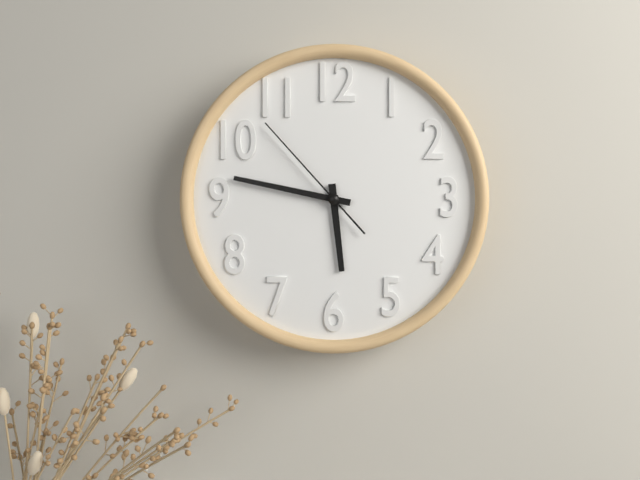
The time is 5:47:53
